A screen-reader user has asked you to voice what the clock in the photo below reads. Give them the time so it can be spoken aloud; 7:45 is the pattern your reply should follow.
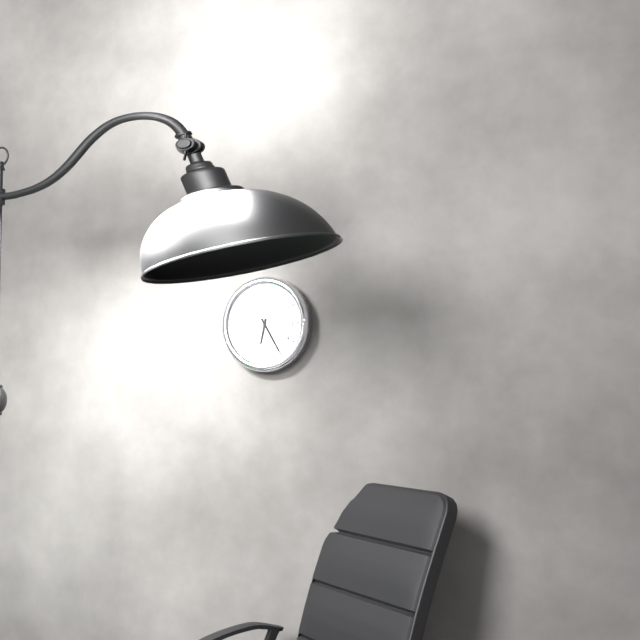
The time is 6:25
